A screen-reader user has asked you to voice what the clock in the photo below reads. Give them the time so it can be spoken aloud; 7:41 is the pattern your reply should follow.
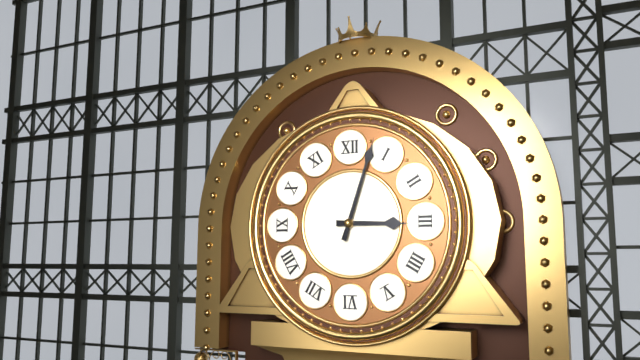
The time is 3:03
